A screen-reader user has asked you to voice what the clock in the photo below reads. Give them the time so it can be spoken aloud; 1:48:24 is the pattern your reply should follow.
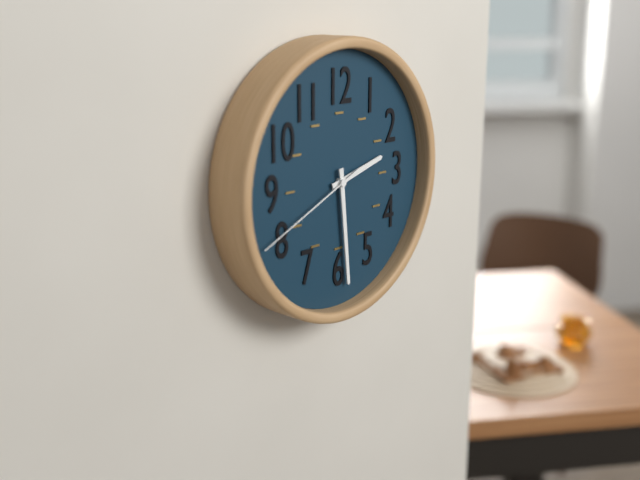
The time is 2:29:41
